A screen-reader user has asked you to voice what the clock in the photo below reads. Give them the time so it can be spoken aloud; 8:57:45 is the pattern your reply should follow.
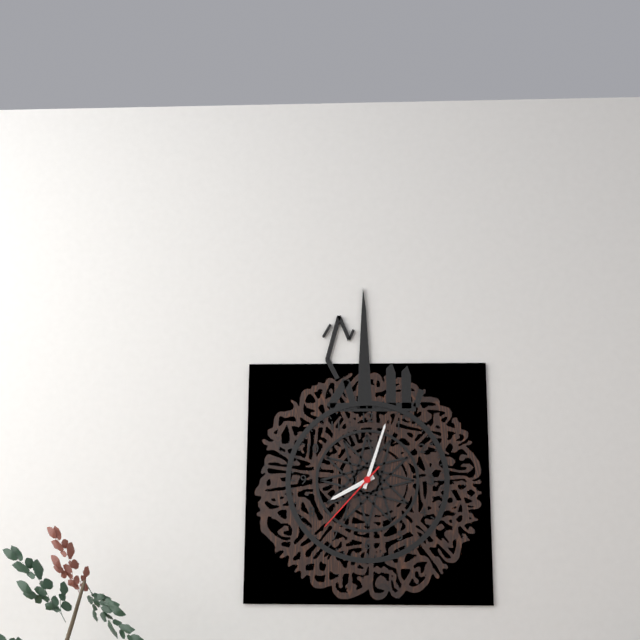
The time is 8:03:37
